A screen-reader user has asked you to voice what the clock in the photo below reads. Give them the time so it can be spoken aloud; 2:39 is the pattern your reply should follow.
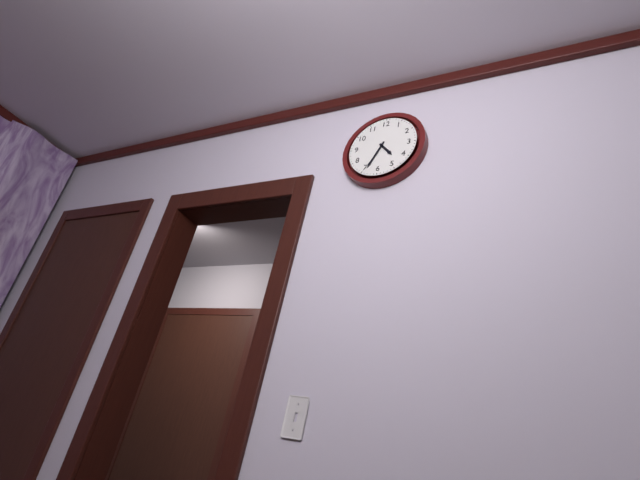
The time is 4:34
